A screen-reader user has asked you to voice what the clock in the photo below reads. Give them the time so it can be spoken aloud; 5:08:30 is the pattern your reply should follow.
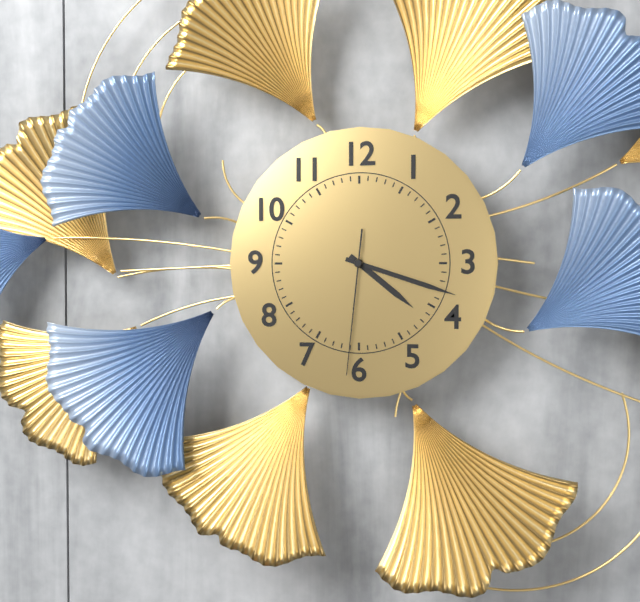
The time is 4:18:31
